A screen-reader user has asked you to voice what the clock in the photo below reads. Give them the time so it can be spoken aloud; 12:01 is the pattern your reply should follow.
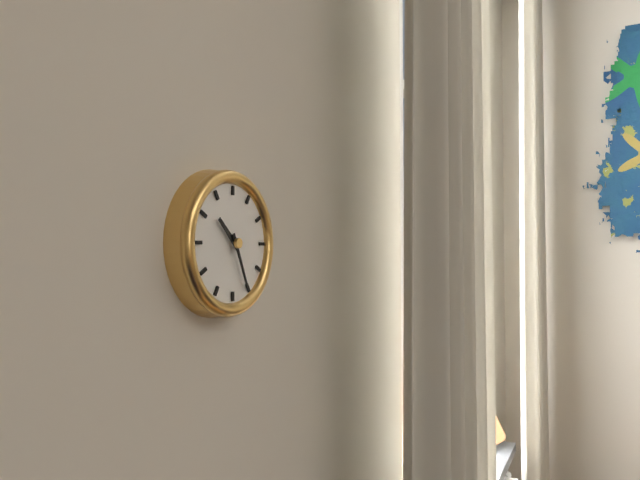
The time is 10:26
